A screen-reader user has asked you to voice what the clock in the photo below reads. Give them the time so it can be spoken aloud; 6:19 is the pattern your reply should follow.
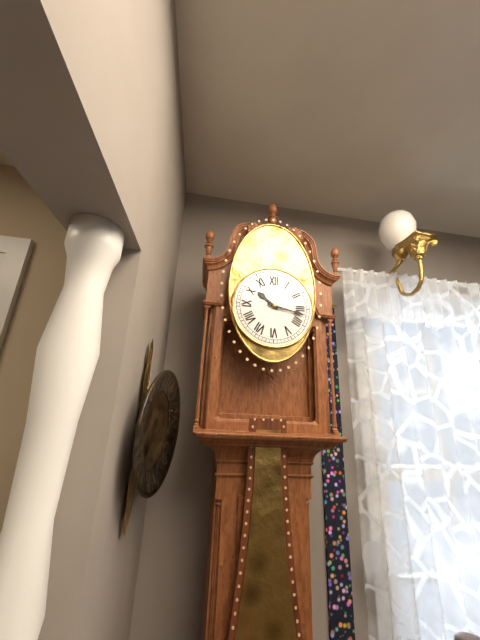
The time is 10:17
